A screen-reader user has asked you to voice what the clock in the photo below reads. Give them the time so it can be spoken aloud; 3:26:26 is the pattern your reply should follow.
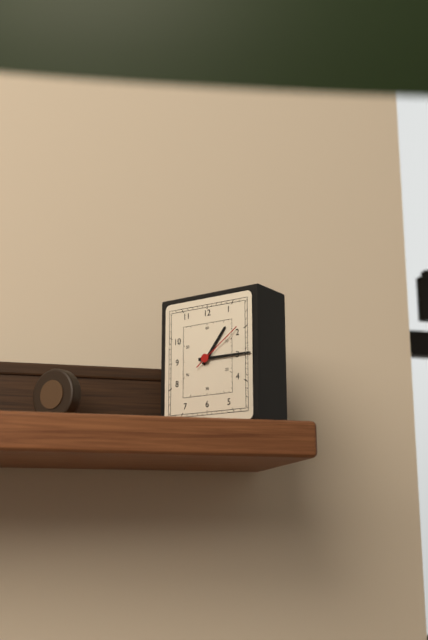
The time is 1:15:09
